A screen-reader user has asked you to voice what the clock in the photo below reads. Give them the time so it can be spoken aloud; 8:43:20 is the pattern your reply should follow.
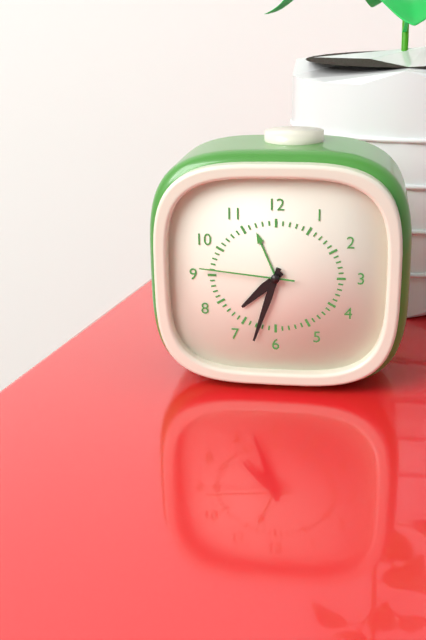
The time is 7:33:46
